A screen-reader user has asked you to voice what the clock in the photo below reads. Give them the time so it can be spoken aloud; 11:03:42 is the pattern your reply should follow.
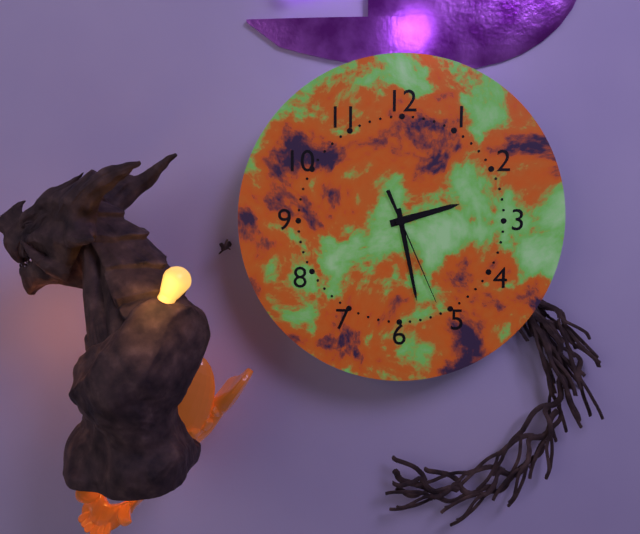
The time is 2:28:26
